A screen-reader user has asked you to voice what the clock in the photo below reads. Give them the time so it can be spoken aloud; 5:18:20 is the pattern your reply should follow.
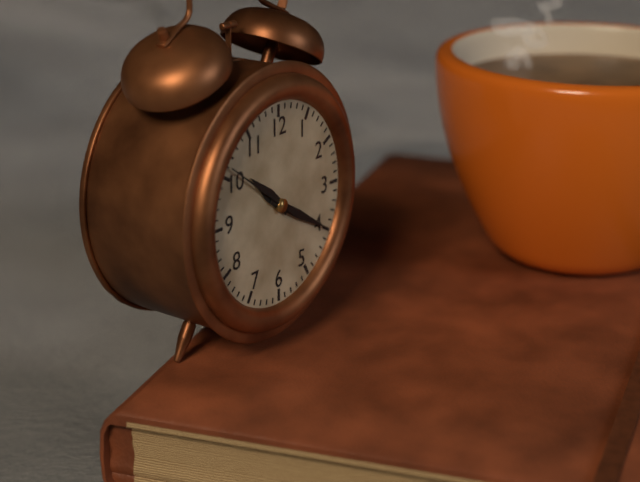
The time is 10:20:51
